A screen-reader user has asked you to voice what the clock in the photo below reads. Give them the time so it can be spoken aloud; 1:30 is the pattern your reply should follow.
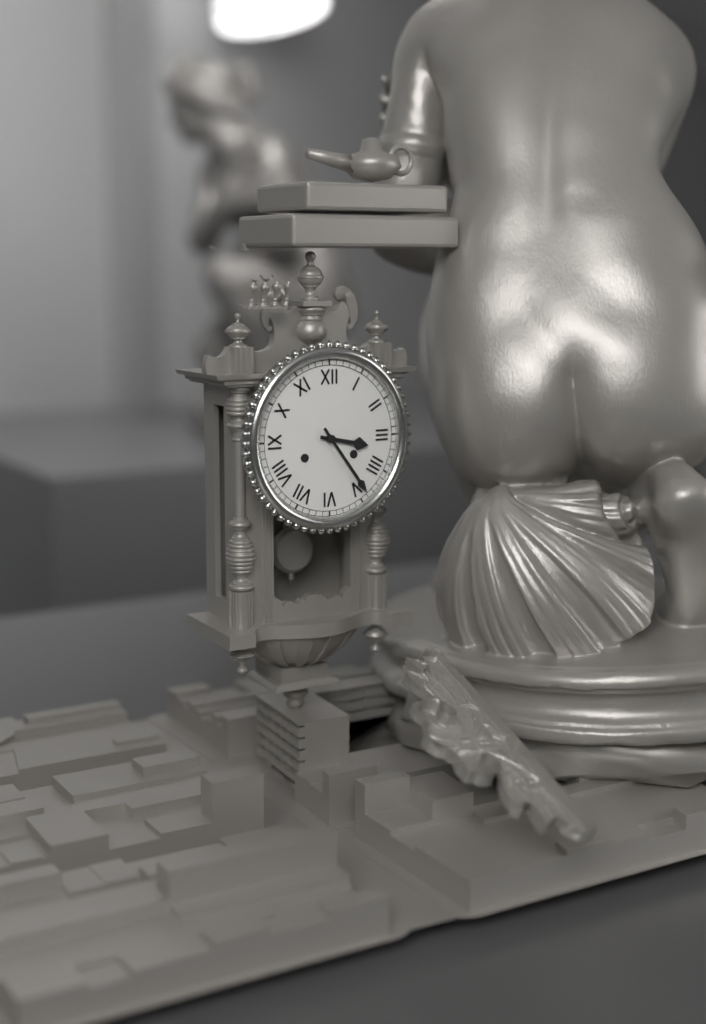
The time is 3:24
